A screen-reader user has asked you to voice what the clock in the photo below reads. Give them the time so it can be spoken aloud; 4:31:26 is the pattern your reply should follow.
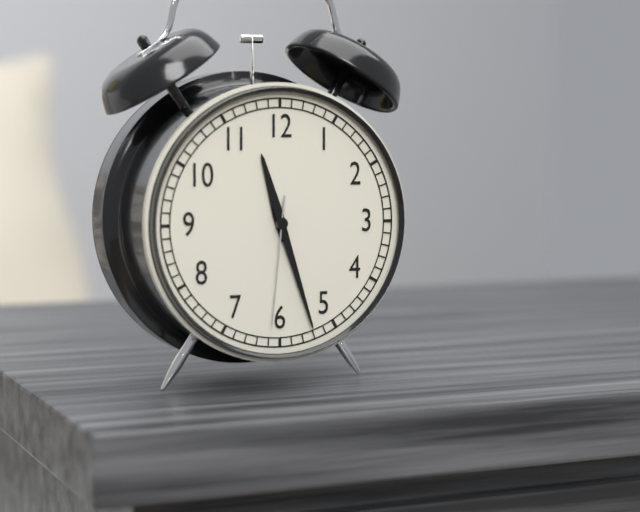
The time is 11:27:31
